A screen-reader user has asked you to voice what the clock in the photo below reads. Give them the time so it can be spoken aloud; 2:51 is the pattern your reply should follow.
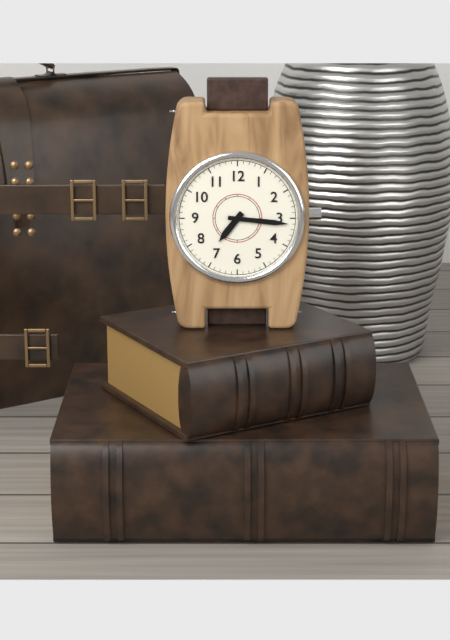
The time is 7:16
